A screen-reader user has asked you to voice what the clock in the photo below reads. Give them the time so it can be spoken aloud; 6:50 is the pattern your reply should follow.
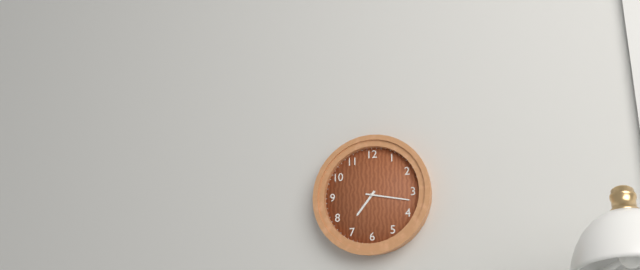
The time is 7:17
